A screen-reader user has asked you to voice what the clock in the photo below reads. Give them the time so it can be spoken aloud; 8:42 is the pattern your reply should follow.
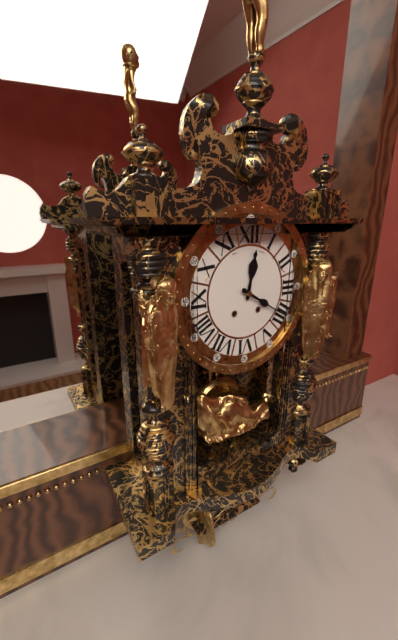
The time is 12:20
